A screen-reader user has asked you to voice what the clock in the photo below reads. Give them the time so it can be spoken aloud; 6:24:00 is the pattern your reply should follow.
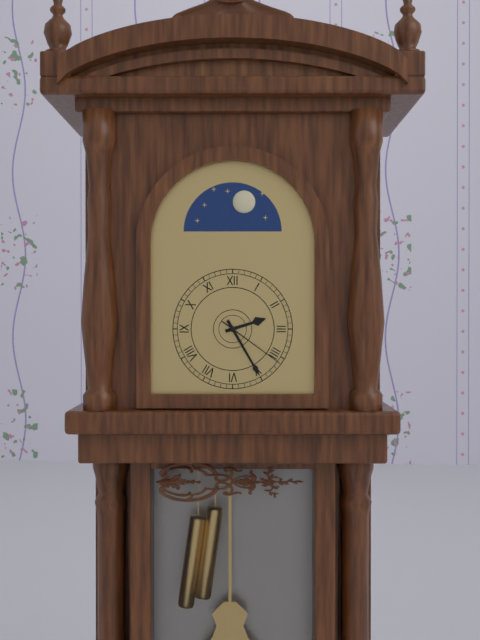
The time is 2:25:21
